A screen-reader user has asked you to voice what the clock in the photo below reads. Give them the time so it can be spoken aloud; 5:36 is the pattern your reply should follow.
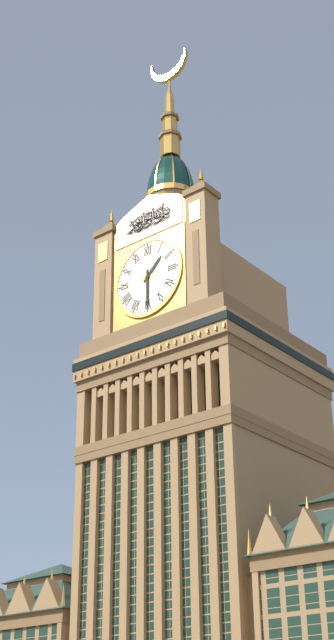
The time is 1:30
